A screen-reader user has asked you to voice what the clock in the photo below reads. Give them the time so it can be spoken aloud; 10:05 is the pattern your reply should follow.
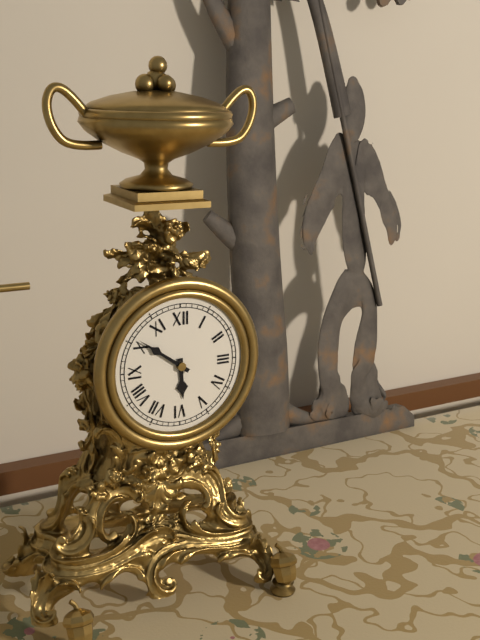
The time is 5:51
